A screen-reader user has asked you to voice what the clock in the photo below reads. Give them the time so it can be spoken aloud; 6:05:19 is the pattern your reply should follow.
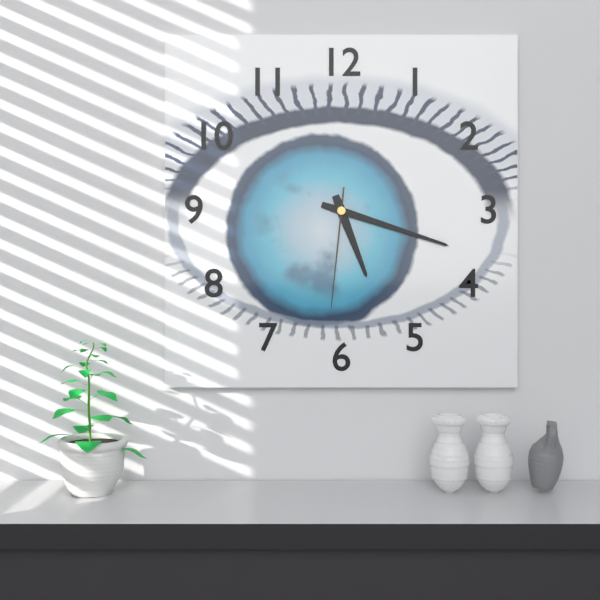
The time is 5:18:31
